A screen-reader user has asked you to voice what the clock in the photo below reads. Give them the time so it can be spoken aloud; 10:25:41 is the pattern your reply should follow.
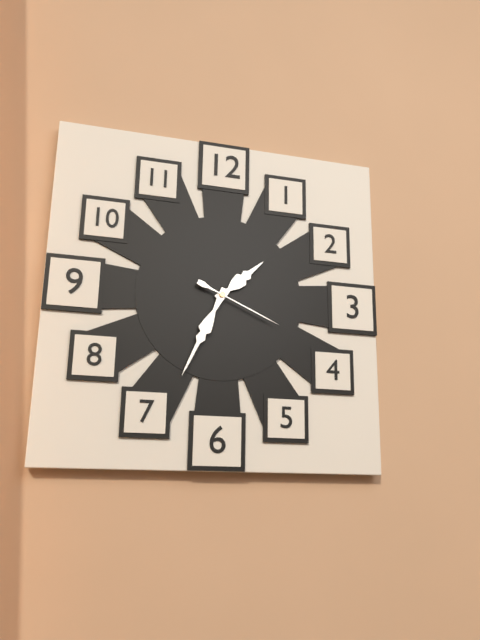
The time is 1:34:19
